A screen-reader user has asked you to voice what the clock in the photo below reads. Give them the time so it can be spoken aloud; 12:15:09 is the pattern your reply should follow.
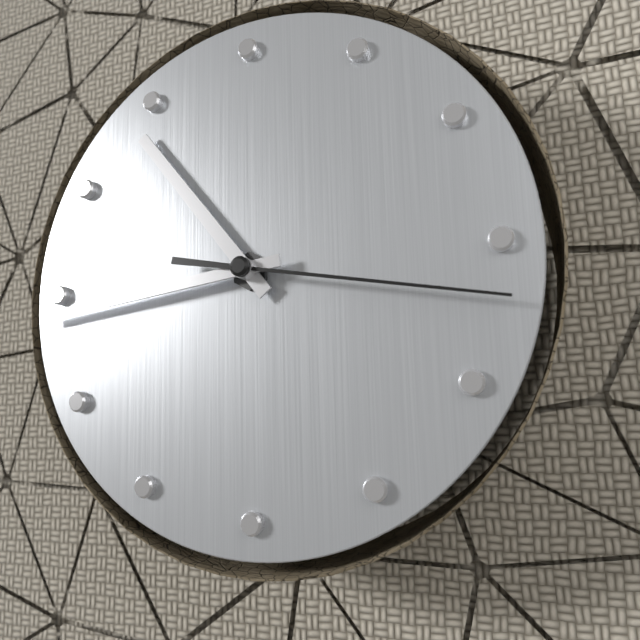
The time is 10:44:17
